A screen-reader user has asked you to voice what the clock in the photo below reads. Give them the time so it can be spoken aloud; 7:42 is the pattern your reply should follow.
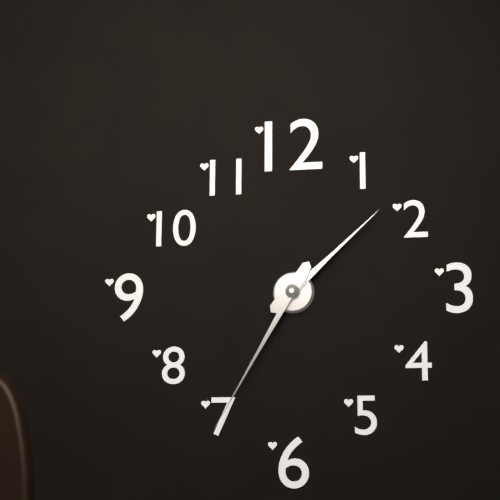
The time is 1:35
